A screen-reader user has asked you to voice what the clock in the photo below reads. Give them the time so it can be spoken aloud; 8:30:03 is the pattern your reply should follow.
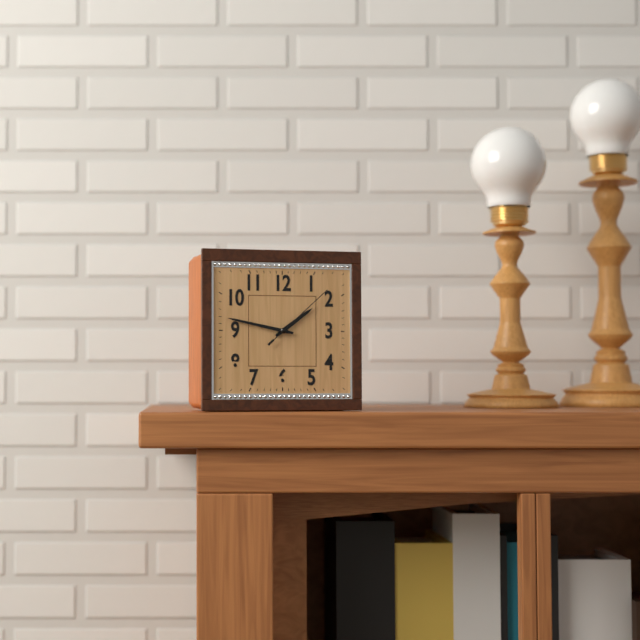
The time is 1:47:08
